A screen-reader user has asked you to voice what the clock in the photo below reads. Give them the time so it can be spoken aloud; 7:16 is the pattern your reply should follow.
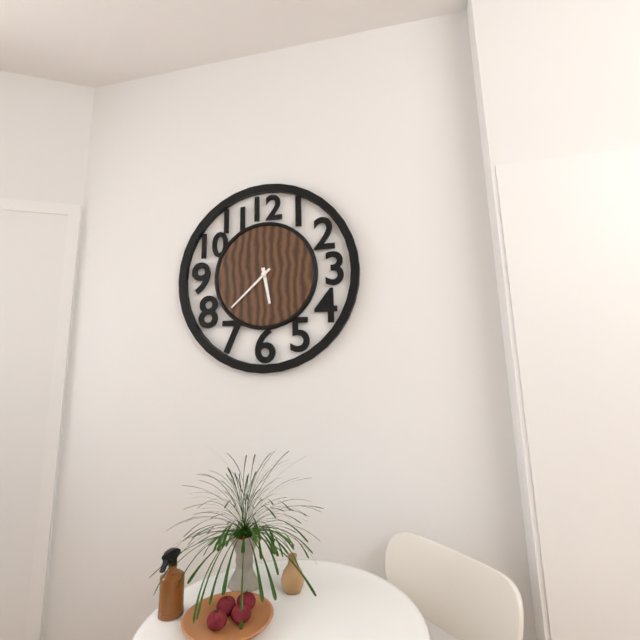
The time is 5:38
